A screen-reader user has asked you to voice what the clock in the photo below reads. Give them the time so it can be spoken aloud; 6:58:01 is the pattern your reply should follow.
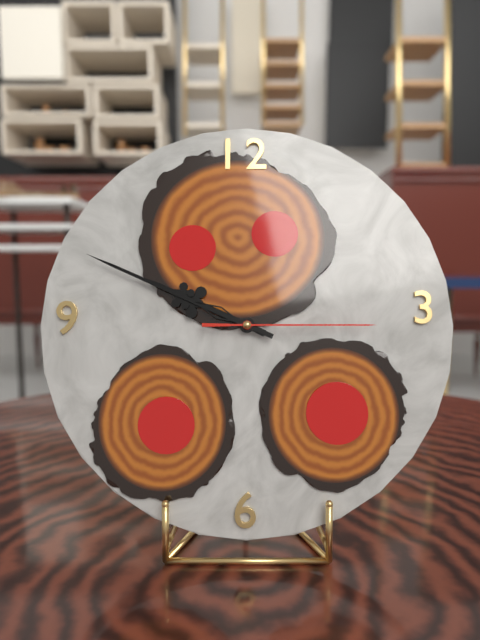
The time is 9:49:15
